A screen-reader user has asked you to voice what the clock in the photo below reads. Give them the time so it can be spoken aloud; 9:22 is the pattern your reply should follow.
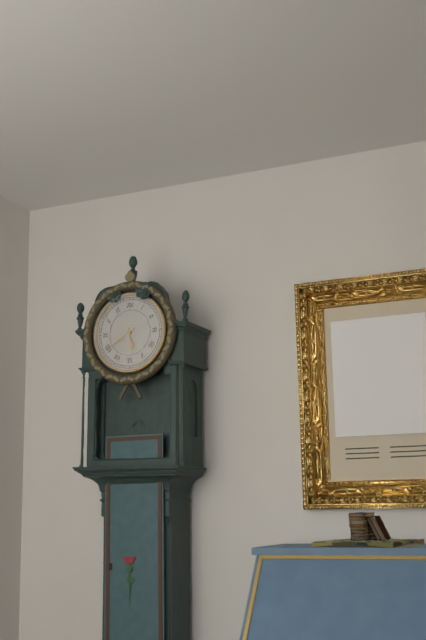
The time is 5:40
